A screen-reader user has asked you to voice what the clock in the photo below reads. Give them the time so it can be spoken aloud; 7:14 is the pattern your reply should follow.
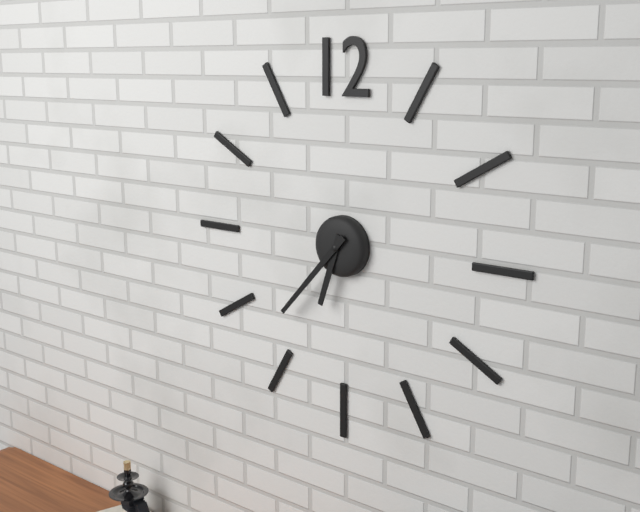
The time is 6:37
